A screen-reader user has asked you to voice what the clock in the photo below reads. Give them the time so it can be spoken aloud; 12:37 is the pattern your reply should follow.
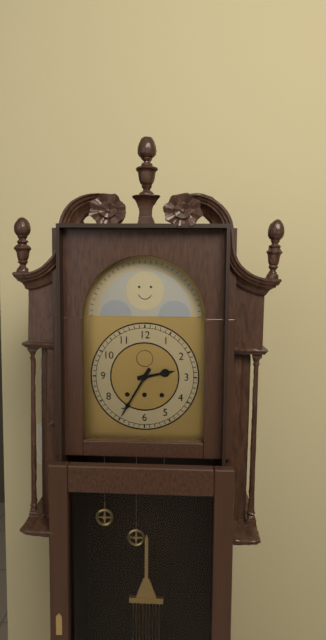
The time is 2:35
